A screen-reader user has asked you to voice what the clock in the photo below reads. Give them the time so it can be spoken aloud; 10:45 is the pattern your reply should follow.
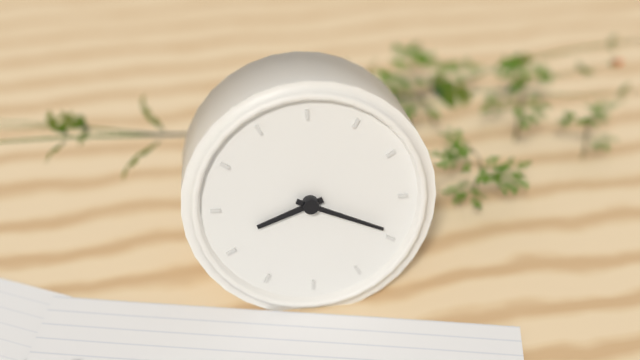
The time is 8:19
